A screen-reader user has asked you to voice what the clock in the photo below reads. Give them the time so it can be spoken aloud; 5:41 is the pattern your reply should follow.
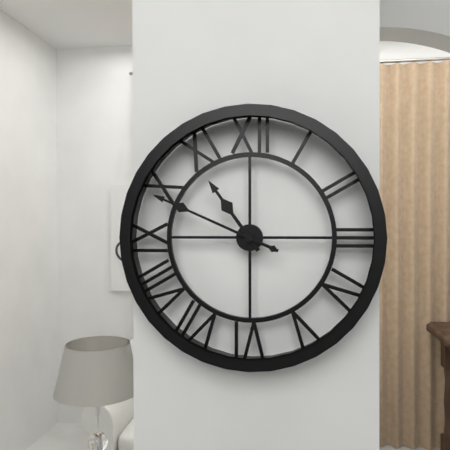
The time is 10:49
